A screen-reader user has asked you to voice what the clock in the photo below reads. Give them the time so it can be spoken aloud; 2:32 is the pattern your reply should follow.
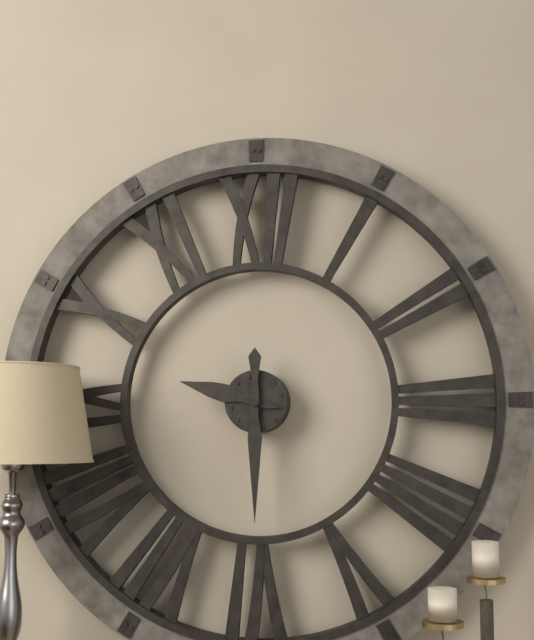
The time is 9:30
